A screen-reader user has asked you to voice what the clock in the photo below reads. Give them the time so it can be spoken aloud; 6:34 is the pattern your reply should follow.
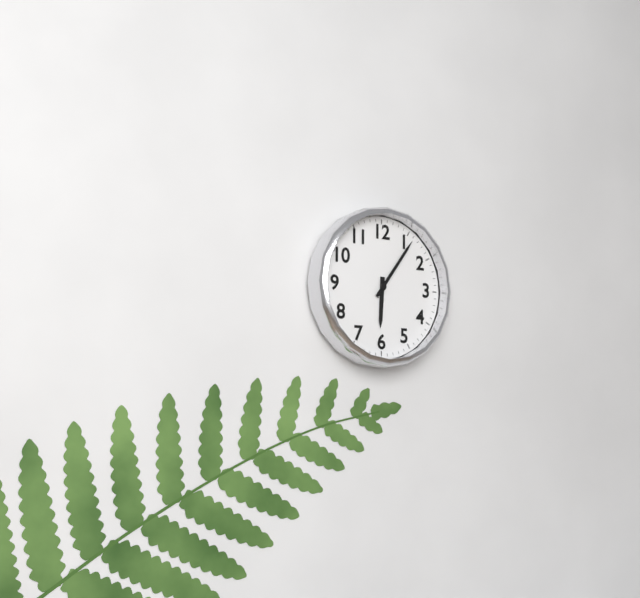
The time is 6:06
